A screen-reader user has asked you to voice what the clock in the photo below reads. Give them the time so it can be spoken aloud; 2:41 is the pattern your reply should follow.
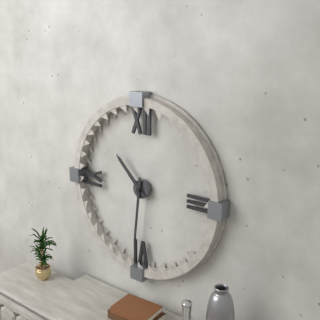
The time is 10:31
